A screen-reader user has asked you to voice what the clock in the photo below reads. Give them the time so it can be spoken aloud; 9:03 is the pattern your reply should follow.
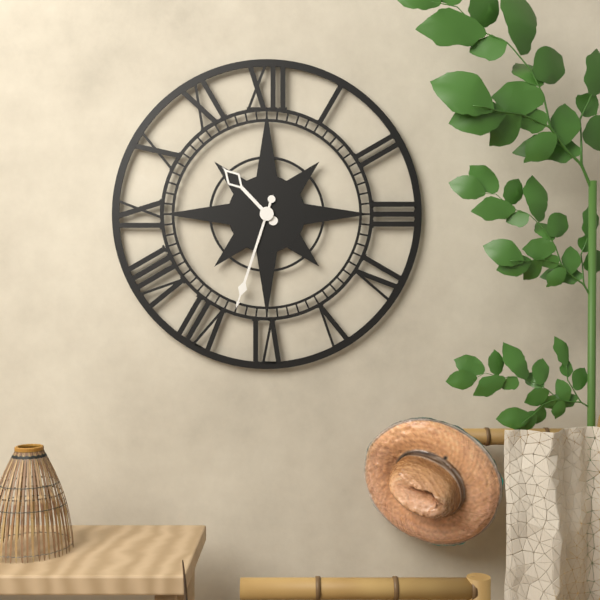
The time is 10:33
